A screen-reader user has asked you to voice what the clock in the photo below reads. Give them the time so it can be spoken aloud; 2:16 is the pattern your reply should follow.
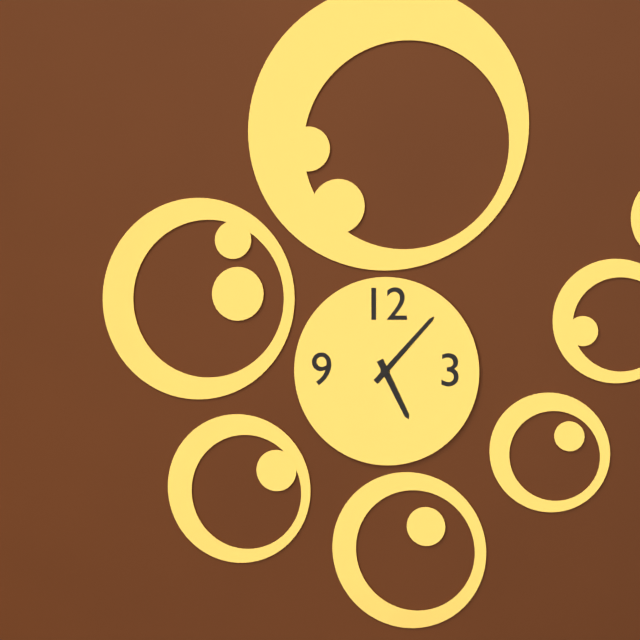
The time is 5:07
